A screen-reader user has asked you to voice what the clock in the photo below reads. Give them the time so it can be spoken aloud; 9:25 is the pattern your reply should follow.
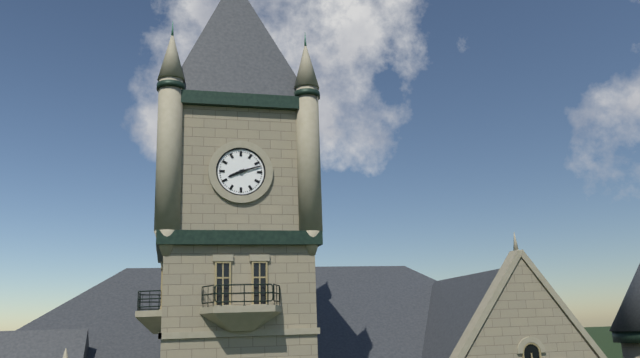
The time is 8:12
